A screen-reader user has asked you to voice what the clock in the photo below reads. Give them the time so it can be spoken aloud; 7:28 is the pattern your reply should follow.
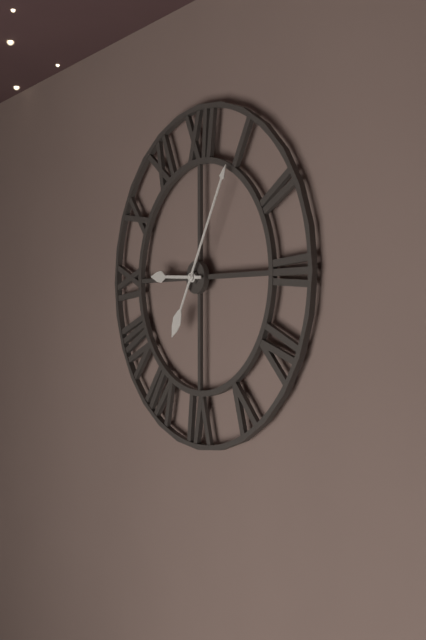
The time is 9:05
